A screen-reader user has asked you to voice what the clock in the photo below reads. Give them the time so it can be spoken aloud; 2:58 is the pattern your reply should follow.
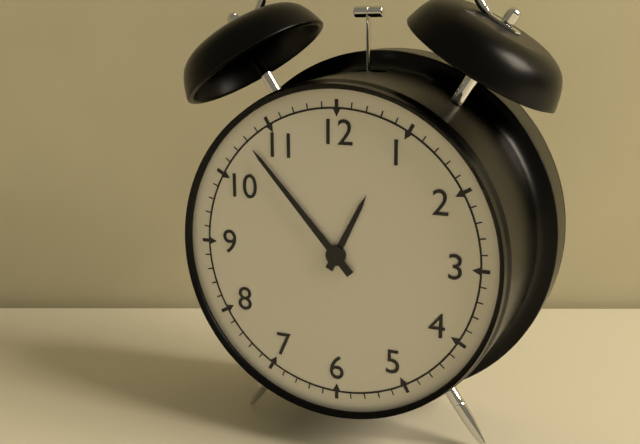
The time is 12:53
